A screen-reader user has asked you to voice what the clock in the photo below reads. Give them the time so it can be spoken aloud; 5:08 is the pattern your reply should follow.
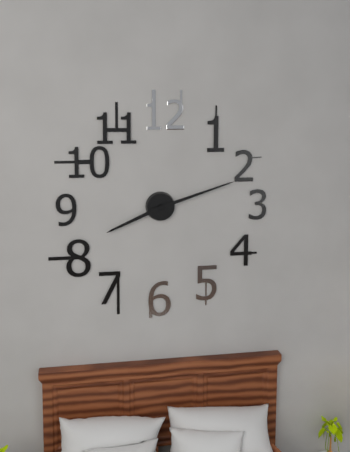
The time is 8:12
